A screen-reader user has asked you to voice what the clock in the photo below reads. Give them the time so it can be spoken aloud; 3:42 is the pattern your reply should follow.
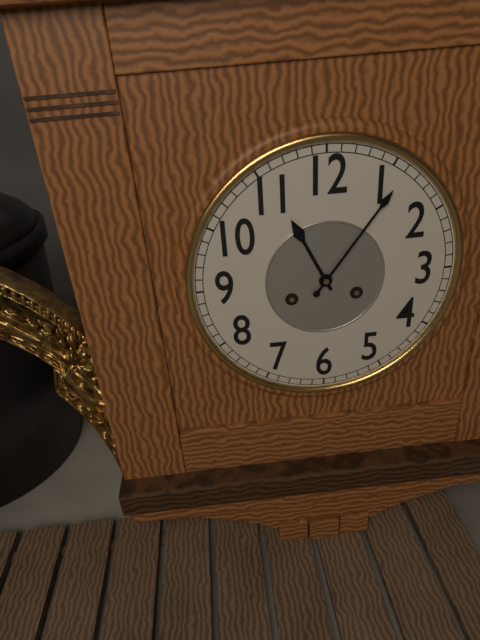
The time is 11:06
